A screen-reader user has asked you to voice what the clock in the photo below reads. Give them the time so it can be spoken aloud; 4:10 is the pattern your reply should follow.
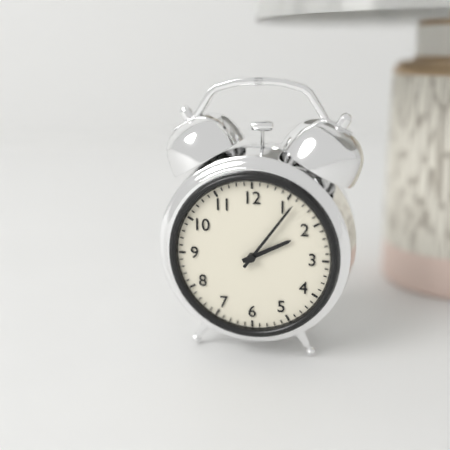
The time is 2:06
